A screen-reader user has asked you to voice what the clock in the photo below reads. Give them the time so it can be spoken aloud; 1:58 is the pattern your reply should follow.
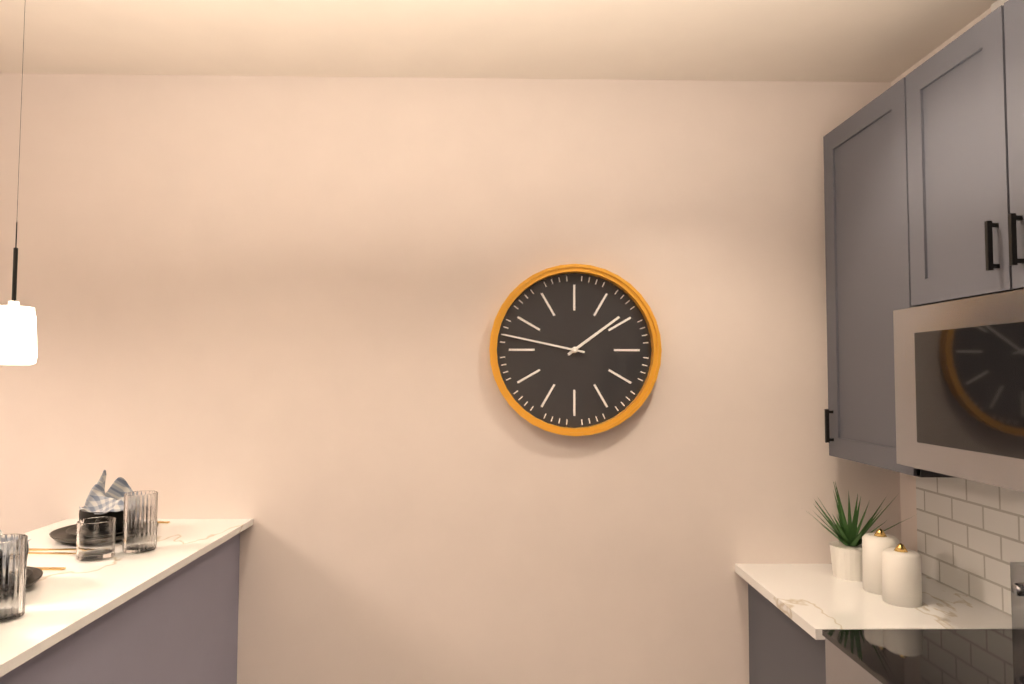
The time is 1:47
